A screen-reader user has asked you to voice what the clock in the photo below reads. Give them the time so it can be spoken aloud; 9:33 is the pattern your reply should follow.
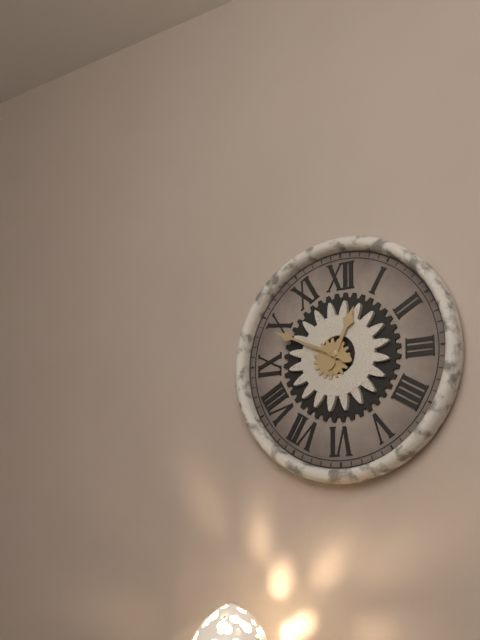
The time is 12:49
